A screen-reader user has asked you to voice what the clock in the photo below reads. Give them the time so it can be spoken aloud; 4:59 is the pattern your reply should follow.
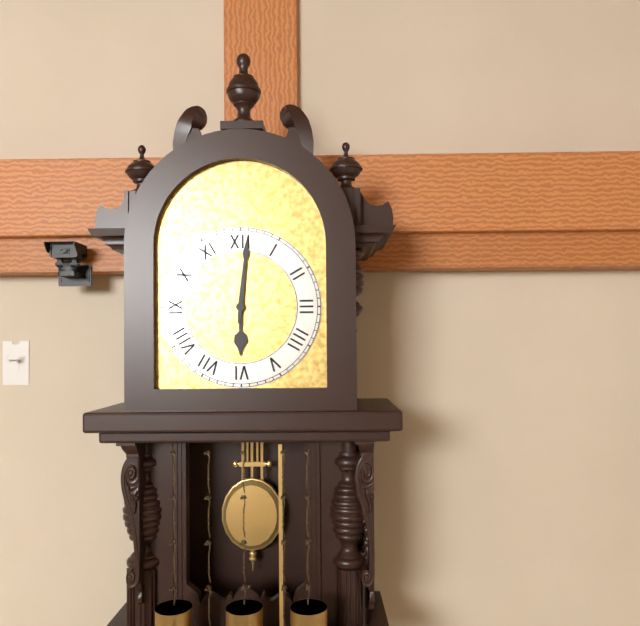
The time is 6:01
